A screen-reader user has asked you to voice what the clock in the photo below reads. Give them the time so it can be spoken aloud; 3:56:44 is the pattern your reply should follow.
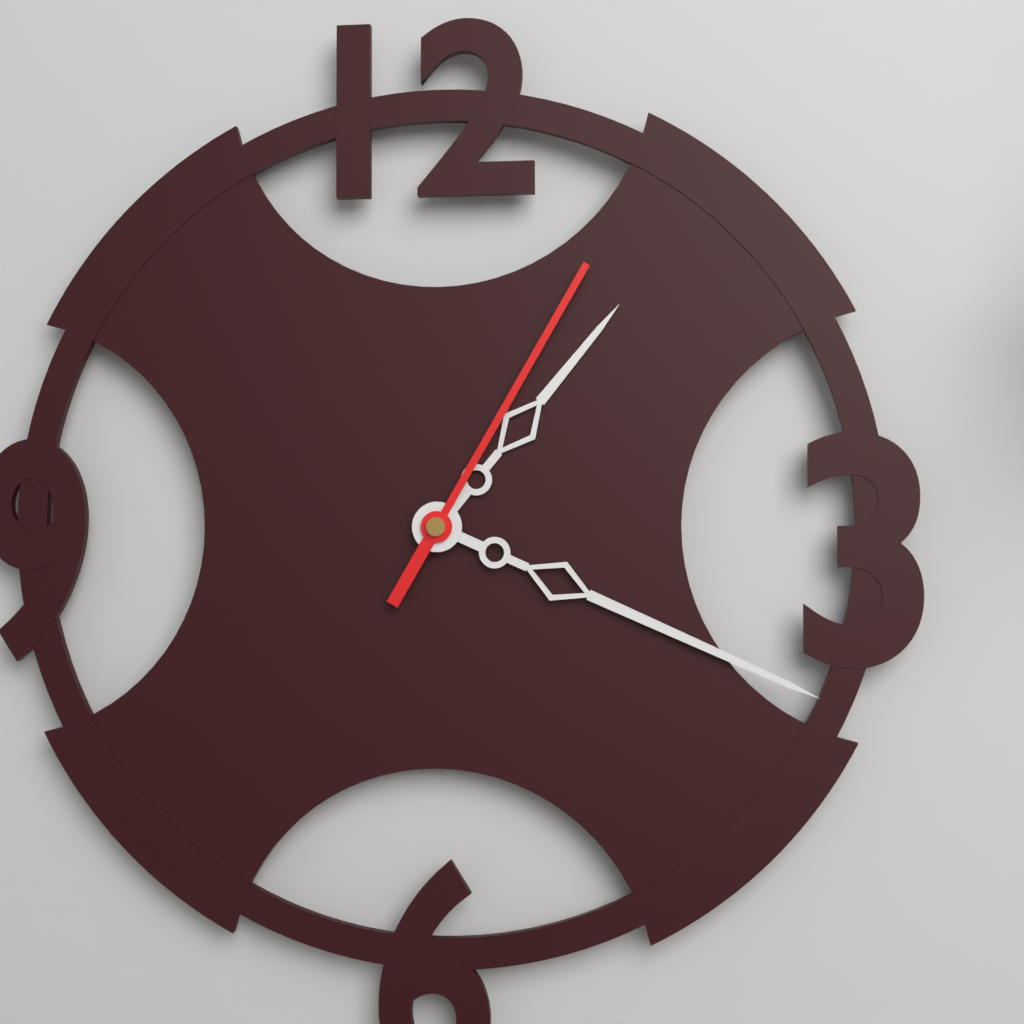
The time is 1:19:05
